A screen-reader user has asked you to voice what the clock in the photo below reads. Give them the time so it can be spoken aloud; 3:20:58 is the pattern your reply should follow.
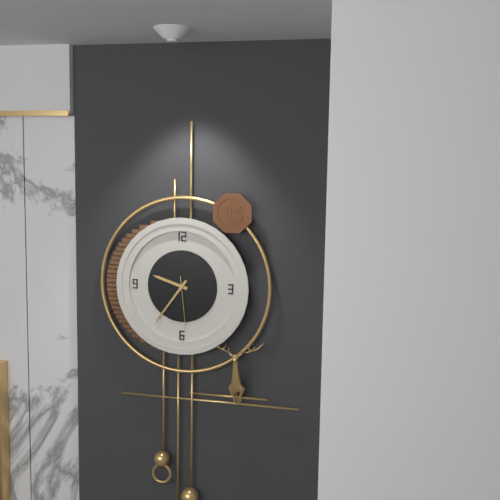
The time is 9:36:29
